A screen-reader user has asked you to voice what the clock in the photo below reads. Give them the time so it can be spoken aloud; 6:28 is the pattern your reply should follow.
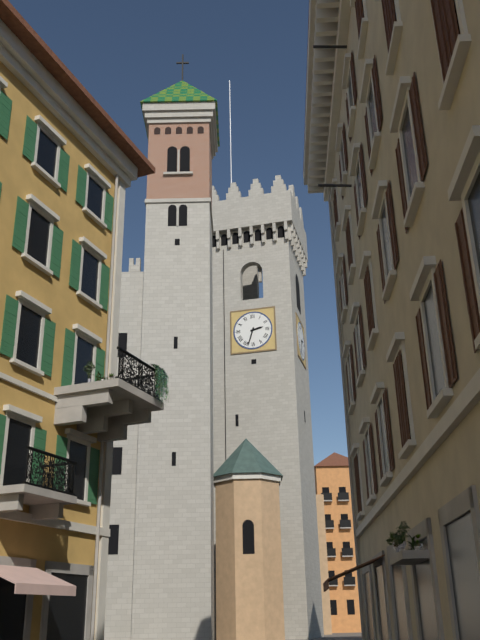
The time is 2:33
